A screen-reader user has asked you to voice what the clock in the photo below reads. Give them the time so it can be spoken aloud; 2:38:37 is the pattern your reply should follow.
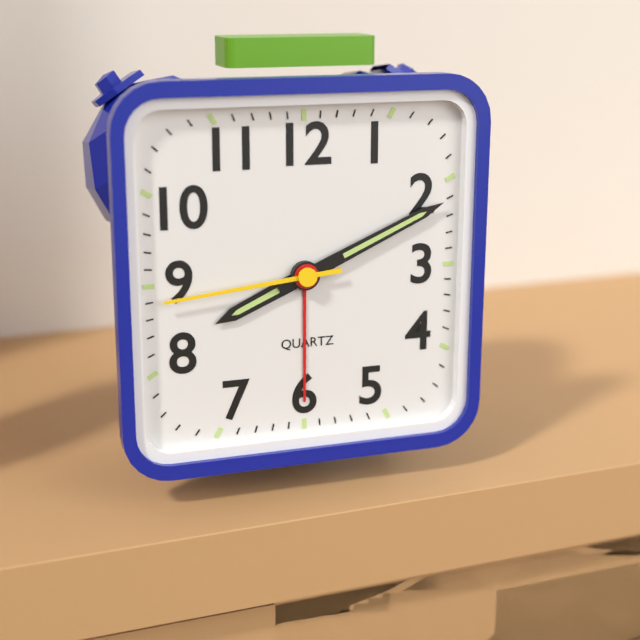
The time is 8:11:44
